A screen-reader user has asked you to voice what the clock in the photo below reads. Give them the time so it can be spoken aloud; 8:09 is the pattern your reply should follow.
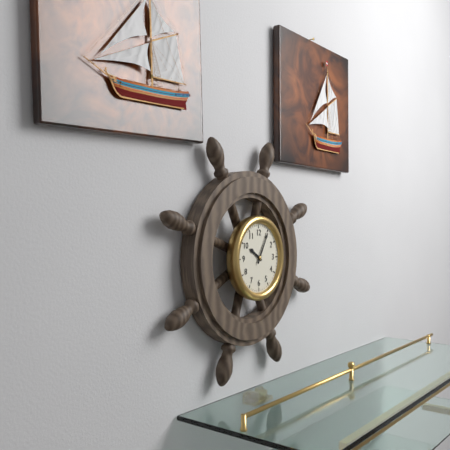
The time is 10:05
